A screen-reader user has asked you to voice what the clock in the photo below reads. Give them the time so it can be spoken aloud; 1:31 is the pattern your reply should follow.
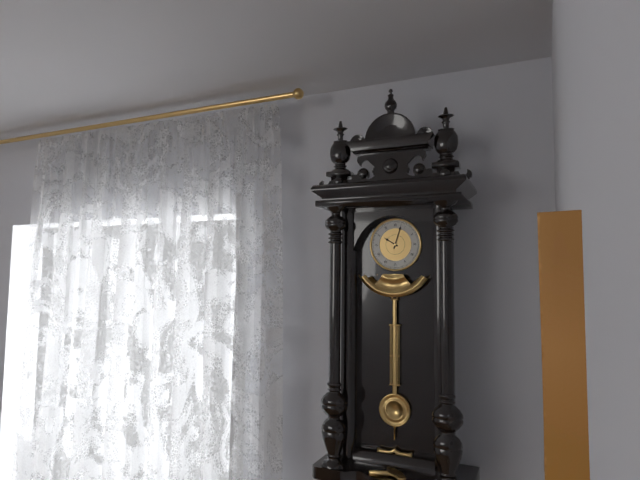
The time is 10:03
